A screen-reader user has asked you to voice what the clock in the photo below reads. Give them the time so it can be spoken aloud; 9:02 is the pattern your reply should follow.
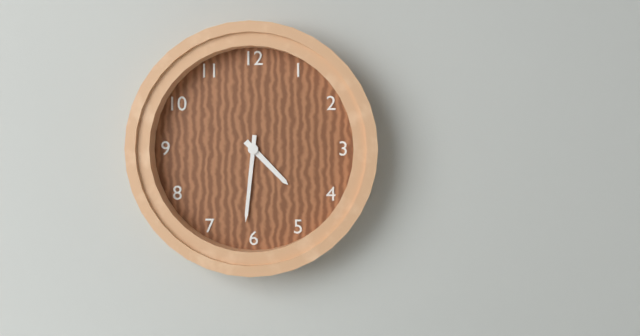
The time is 4:31
